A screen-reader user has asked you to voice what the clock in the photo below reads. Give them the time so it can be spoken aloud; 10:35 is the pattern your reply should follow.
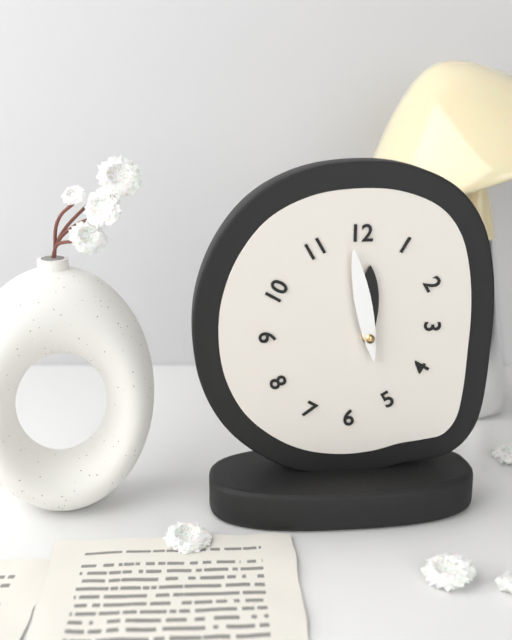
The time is 11:58
